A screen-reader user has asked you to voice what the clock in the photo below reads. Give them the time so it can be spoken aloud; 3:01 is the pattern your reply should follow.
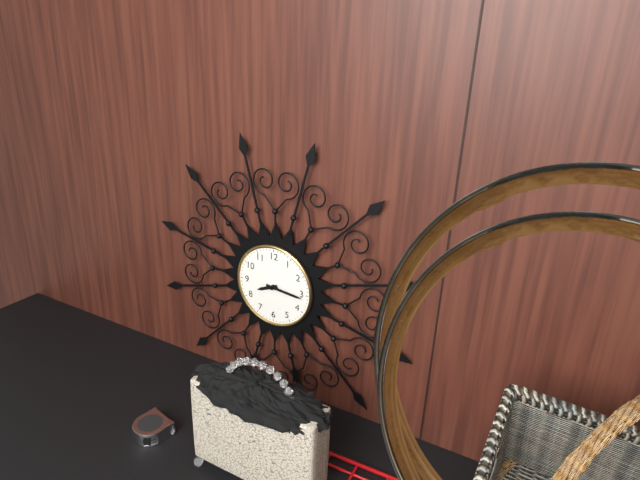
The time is 8:16
